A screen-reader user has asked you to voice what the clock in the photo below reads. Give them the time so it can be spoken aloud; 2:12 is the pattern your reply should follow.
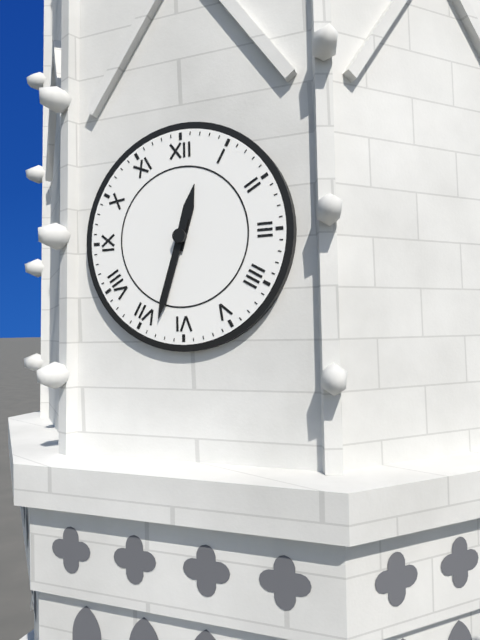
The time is 12:33
